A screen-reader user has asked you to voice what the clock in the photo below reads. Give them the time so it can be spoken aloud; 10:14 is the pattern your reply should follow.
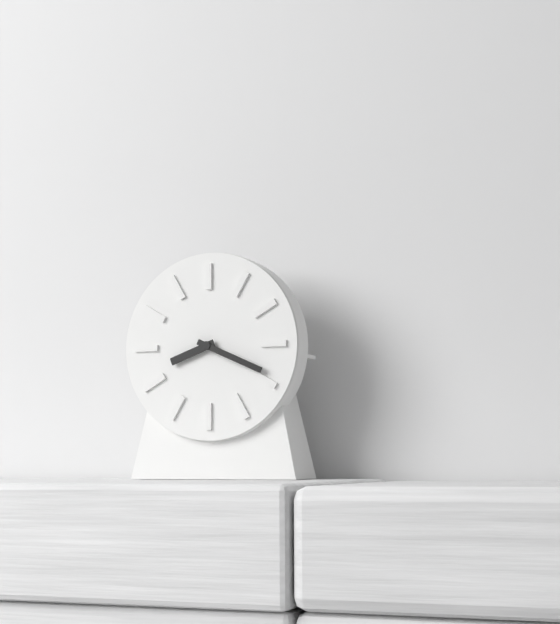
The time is 8:19
